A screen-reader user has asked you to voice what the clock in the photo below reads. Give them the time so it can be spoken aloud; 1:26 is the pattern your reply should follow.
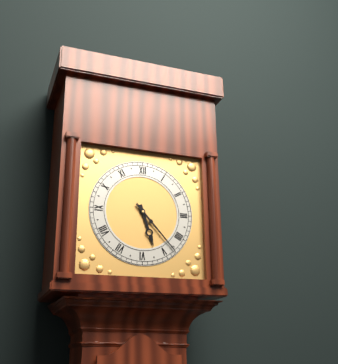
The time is 5:23
